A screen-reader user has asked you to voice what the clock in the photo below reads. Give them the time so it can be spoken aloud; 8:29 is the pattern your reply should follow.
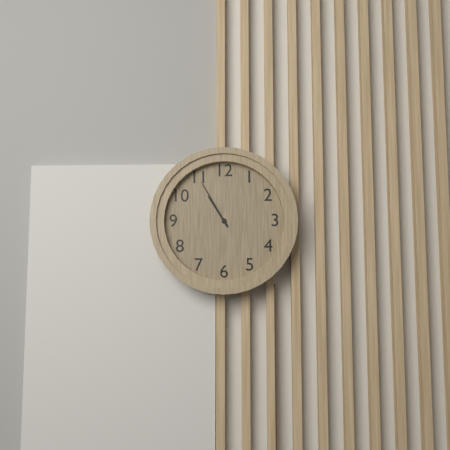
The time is 10:55
